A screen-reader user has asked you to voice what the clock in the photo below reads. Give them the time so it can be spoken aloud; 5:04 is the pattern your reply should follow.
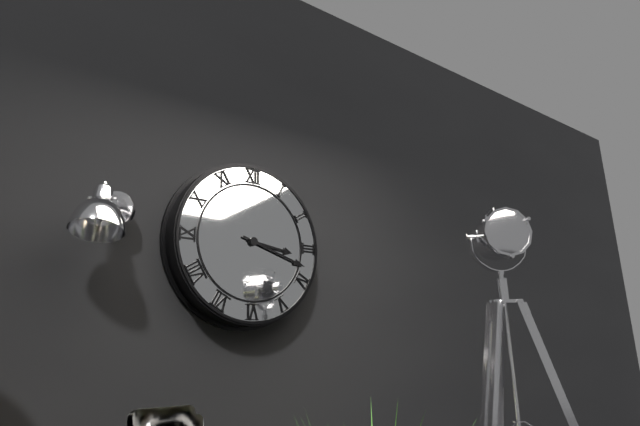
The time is 3:18
